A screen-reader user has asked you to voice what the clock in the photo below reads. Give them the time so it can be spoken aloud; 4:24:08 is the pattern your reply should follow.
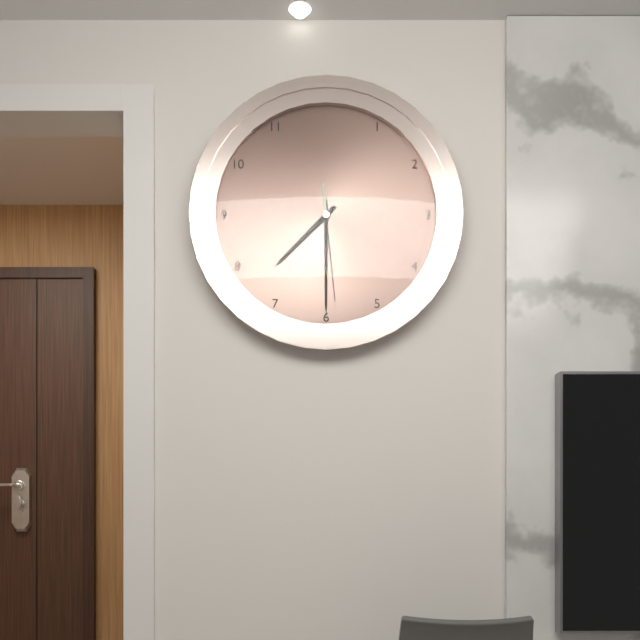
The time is 7:30:29
